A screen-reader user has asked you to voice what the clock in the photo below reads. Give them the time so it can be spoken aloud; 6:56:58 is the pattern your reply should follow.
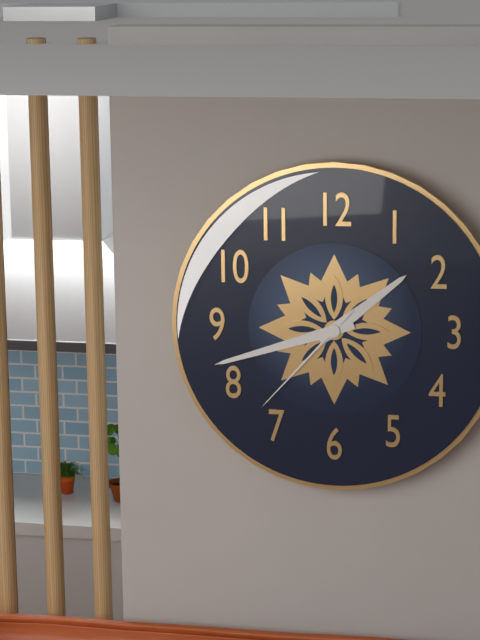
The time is 1:42:37
